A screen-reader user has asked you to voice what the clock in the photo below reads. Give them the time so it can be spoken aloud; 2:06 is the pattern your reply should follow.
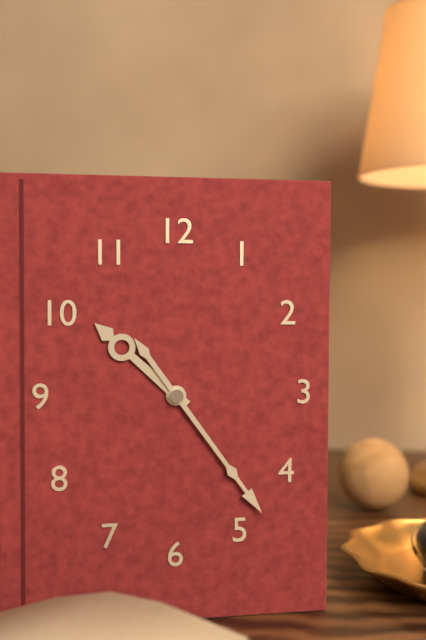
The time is 10:24
